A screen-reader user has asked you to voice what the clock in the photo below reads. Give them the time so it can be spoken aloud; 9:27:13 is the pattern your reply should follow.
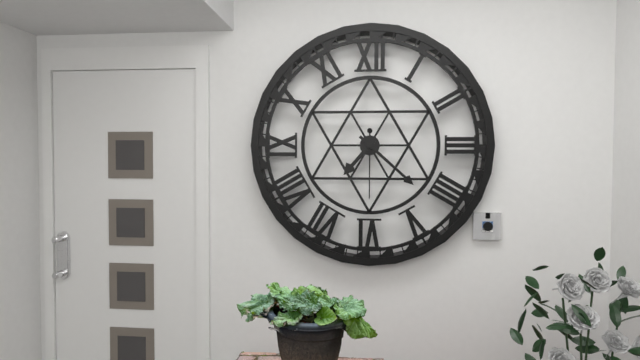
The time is 7:22:30
